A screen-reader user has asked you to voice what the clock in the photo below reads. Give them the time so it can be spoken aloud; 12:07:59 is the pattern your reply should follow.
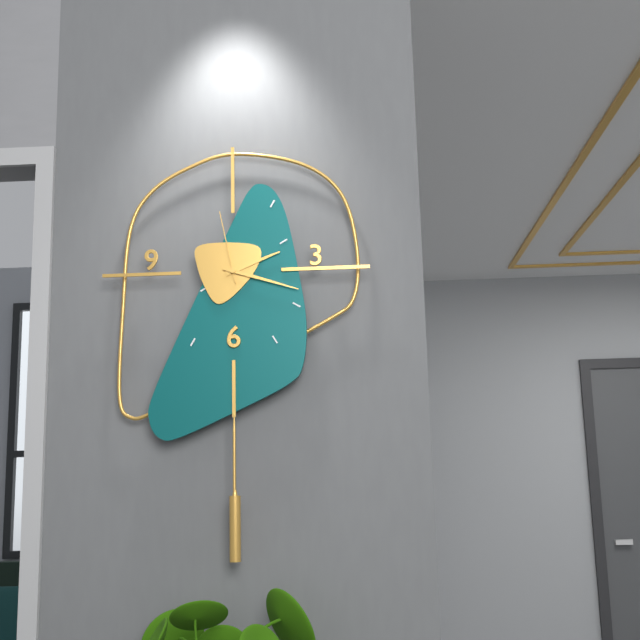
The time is 2:18:58
